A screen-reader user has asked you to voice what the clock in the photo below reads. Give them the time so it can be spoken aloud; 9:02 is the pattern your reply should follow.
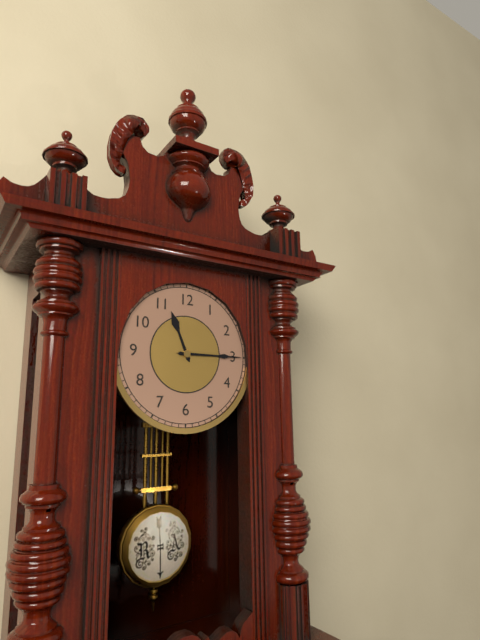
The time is 11:15
